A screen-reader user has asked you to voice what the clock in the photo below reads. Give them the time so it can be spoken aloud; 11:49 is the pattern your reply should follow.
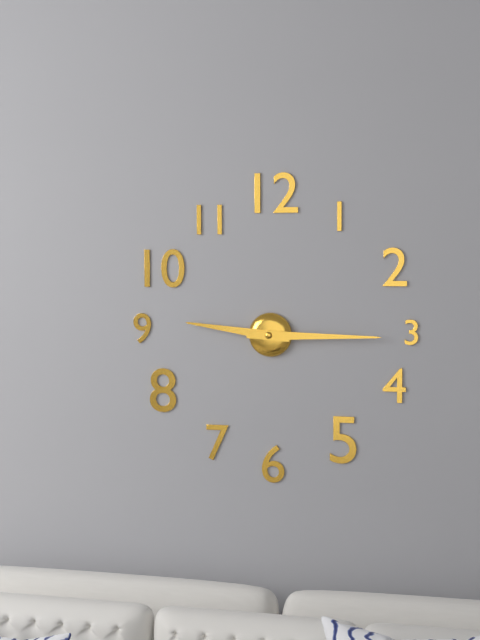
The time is 9:15
